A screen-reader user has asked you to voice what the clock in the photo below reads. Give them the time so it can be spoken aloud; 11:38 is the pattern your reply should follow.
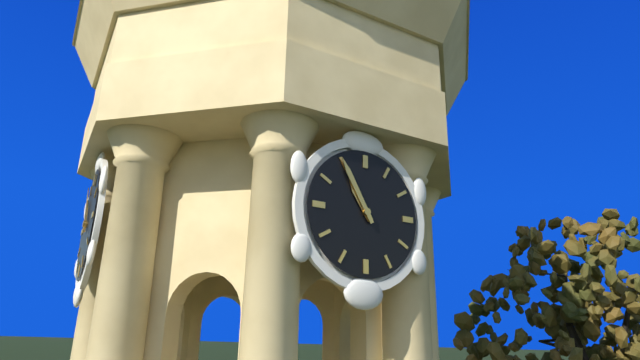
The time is 10:55
